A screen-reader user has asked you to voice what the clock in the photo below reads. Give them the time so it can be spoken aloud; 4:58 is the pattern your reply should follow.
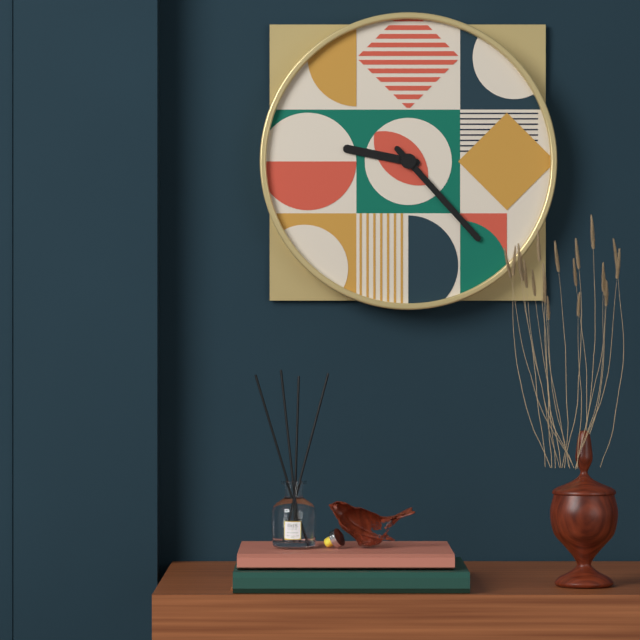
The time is 9:23
